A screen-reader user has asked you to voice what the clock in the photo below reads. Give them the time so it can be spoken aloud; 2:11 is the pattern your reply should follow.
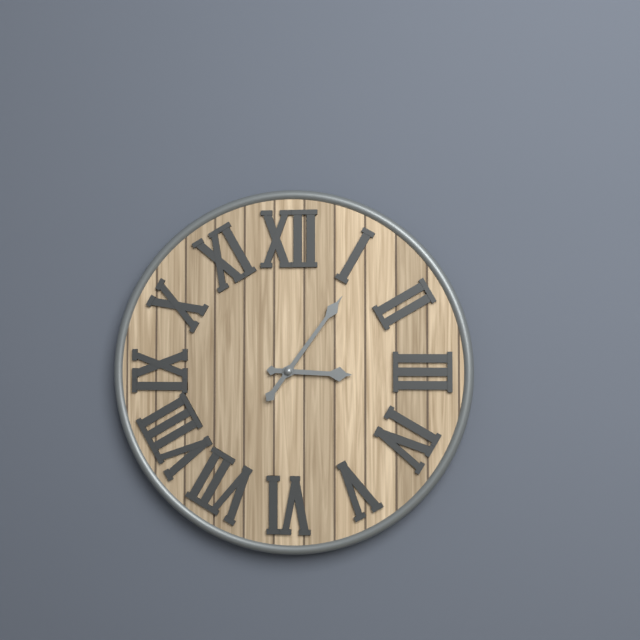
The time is 3:06
